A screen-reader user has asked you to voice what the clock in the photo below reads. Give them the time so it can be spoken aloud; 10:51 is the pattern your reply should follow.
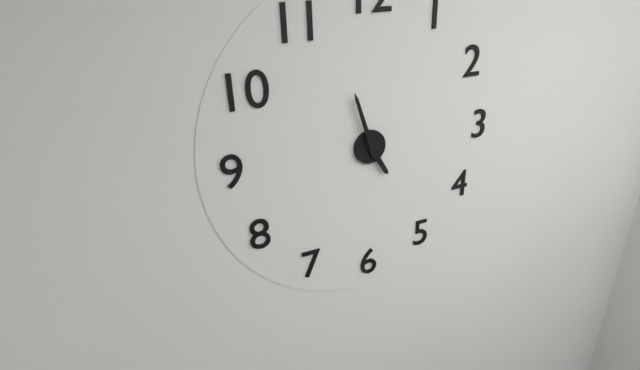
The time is 4:57
